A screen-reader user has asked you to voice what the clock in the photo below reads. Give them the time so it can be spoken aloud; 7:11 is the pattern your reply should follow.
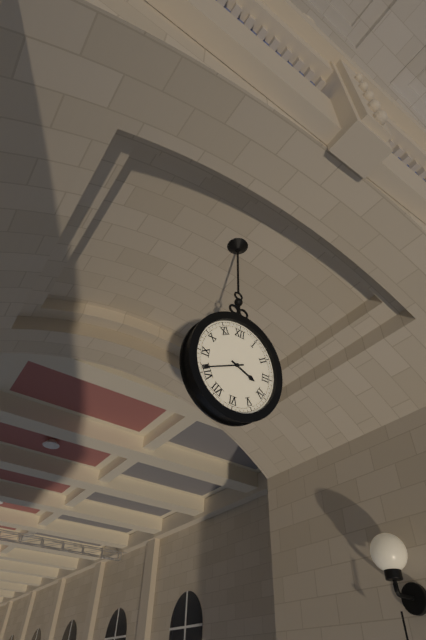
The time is 3:41
